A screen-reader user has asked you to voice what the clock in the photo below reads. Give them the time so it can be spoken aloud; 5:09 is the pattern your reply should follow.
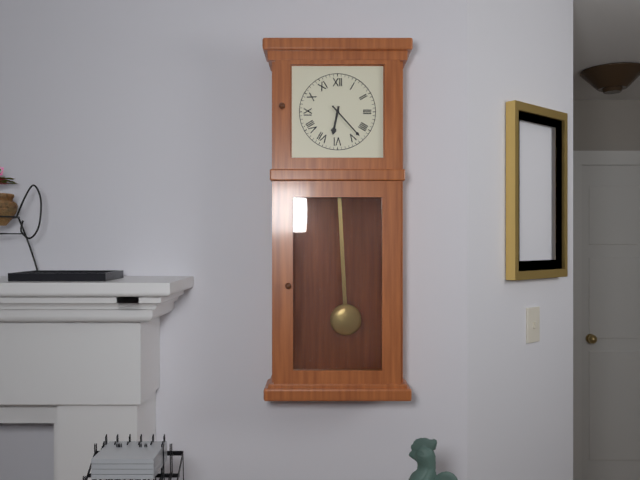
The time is 6:23
